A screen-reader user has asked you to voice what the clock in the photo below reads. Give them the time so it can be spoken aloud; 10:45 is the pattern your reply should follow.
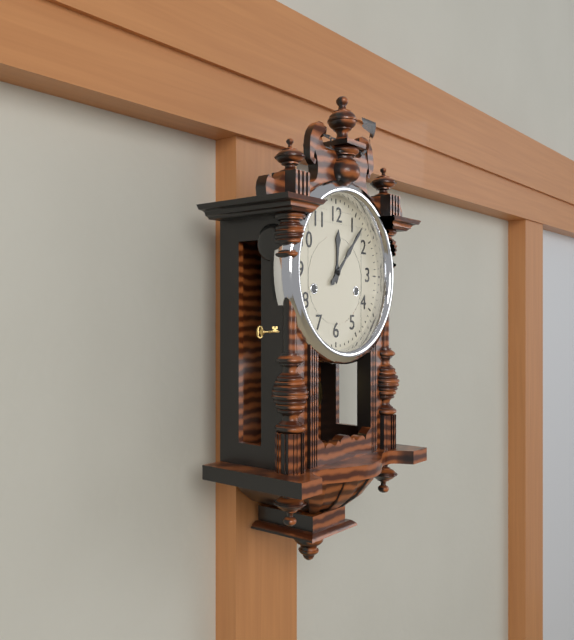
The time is 12:07
